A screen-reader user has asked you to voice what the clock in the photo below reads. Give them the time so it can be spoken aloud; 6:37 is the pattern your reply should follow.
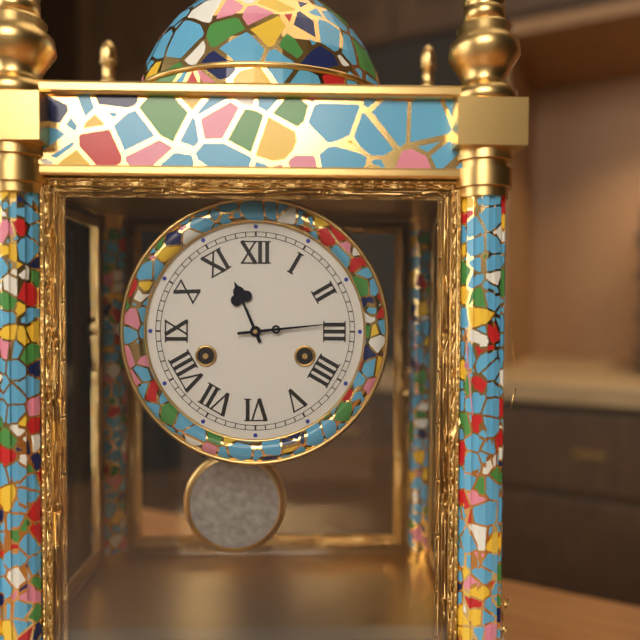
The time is 11:14
